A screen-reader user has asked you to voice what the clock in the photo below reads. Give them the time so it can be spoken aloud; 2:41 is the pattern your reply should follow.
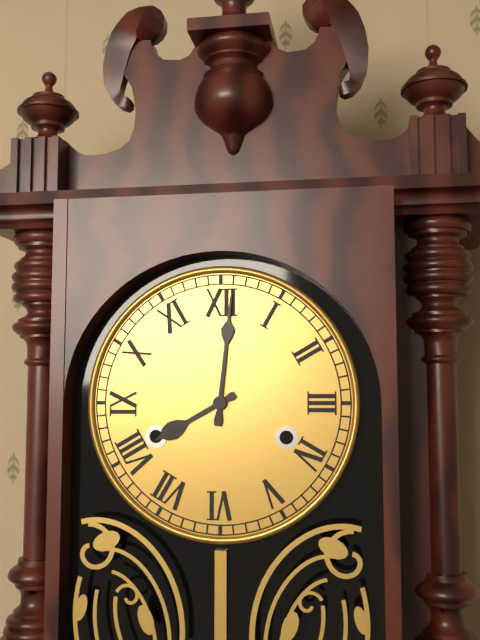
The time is 8:01
